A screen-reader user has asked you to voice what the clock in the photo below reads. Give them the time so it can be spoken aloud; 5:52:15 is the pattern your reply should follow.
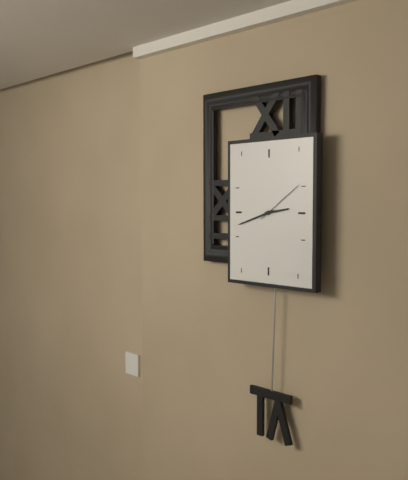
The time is 2:42:09
